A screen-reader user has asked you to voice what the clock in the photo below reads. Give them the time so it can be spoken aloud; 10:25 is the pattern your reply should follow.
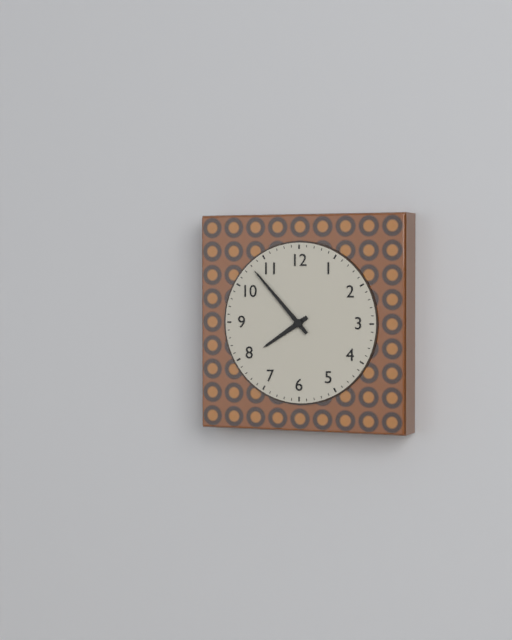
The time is 7:53
